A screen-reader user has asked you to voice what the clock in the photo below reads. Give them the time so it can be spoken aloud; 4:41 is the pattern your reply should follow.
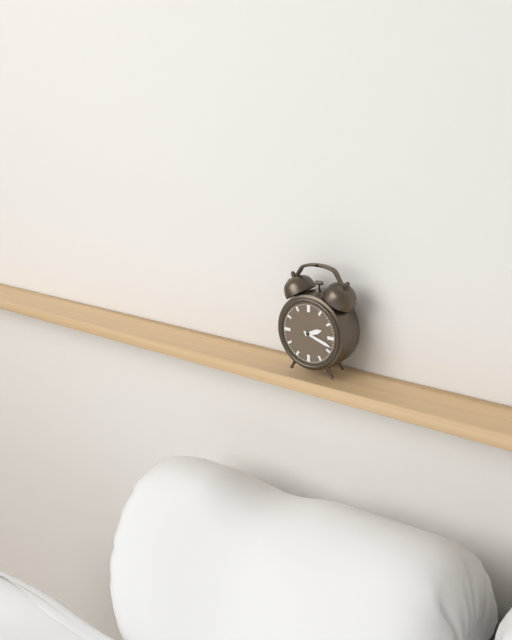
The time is 2:18
